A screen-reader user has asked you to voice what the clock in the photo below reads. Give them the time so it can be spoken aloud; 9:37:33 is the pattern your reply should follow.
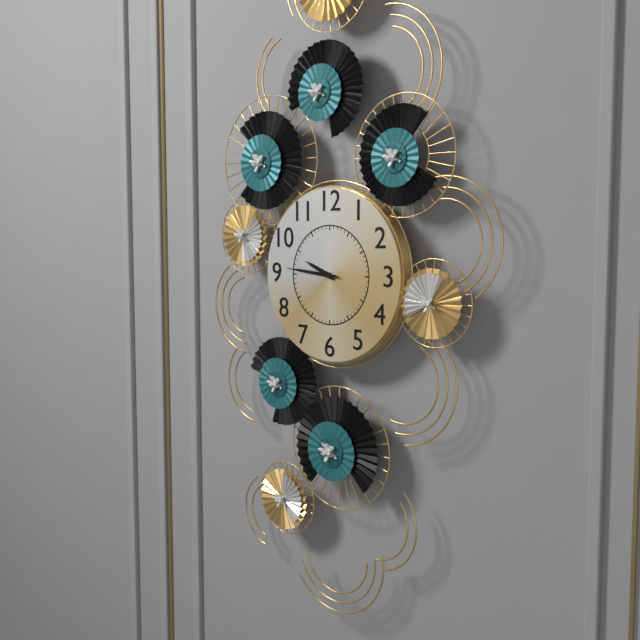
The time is 9:46:46
